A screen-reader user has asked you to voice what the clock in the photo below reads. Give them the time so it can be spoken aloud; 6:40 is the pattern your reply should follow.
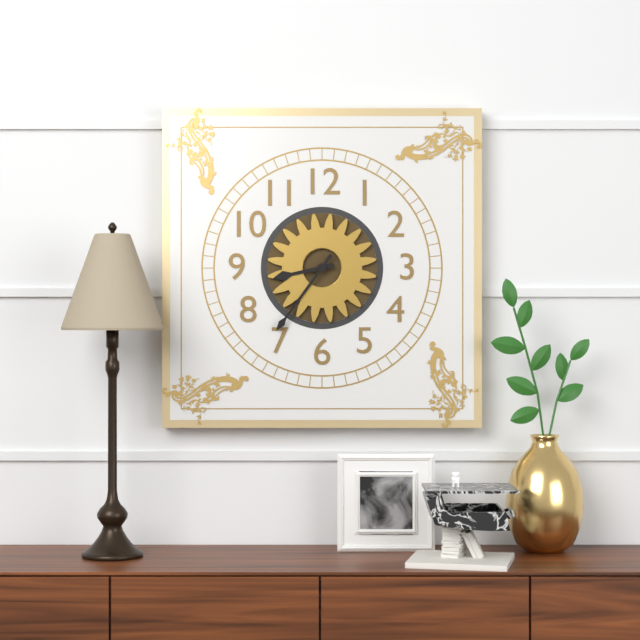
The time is 8:36
